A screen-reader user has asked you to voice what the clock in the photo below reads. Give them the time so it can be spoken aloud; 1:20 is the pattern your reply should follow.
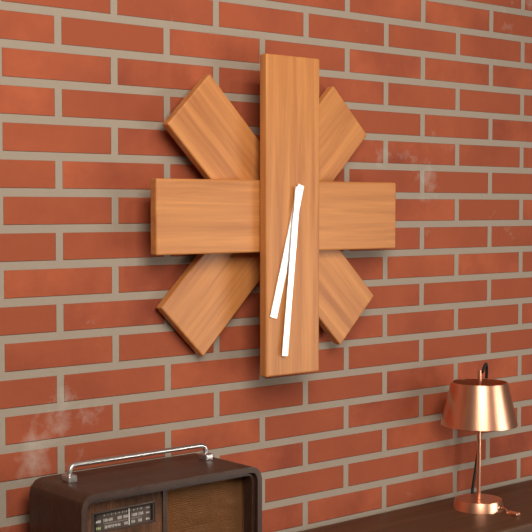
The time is 6:31
